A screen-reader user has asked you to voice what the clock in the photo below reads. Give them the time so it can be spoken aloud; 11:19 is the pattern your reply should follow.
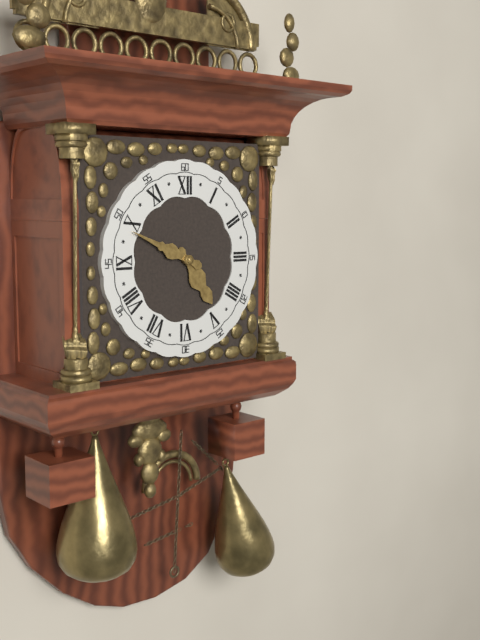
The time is 4:49
